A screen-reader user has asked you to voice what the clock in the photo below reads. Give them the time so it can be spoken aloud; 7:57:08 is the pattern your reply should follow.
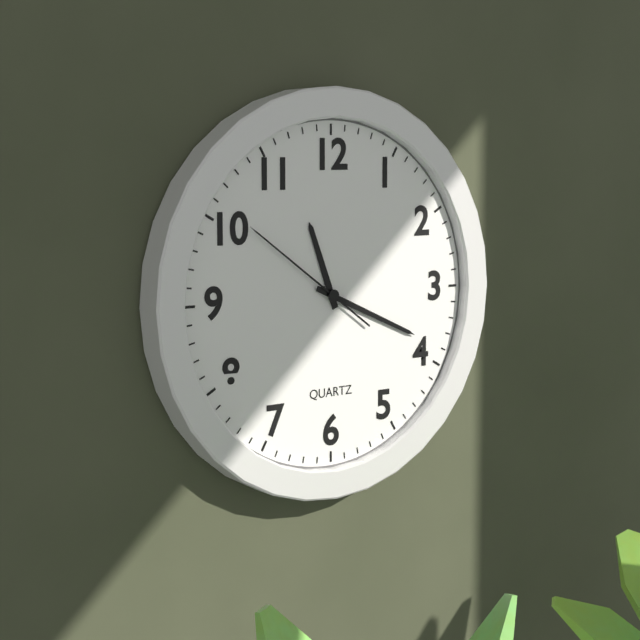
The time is 11:19:51
